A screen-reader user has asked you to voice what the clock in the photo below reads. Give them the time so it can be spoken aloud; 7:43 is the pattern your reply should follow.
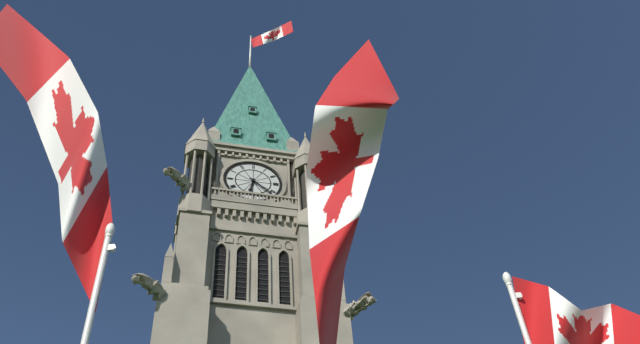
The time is 6:22
